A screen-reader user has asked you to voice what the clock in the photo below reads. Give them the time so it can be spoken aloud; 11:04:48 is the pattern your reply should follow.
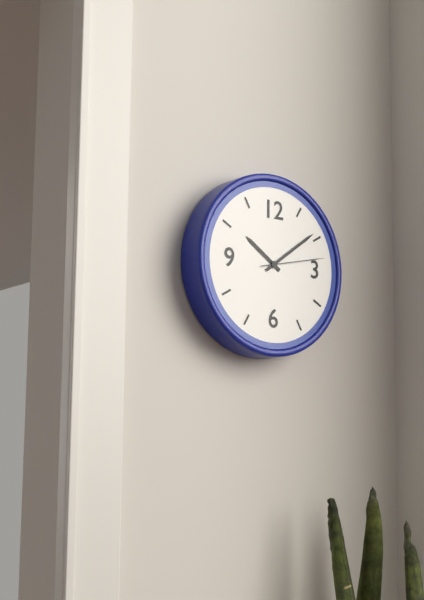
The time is 10:09:13
